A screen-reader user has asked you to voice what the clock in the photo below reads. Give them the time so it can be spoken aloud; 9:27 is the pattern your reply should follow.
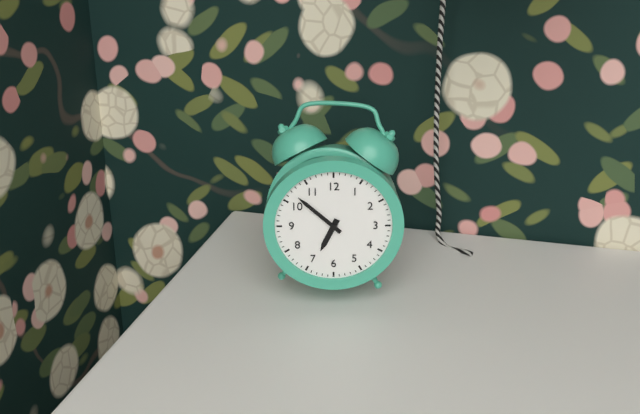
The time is 6:52
